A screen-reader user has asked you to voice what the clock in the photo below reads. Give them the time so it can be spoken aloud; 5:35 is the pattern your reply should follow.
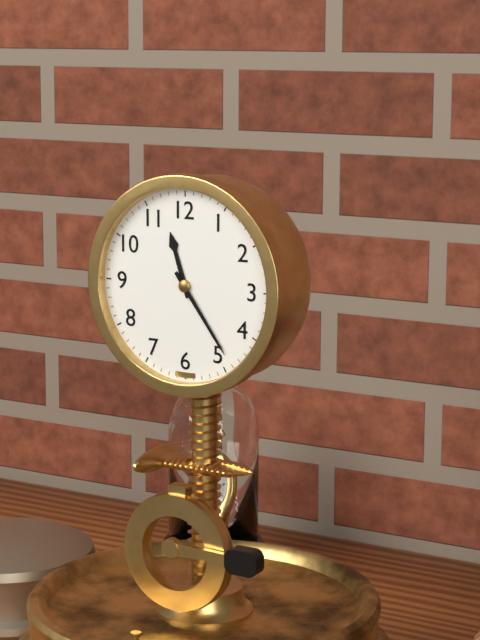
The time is 11:24
